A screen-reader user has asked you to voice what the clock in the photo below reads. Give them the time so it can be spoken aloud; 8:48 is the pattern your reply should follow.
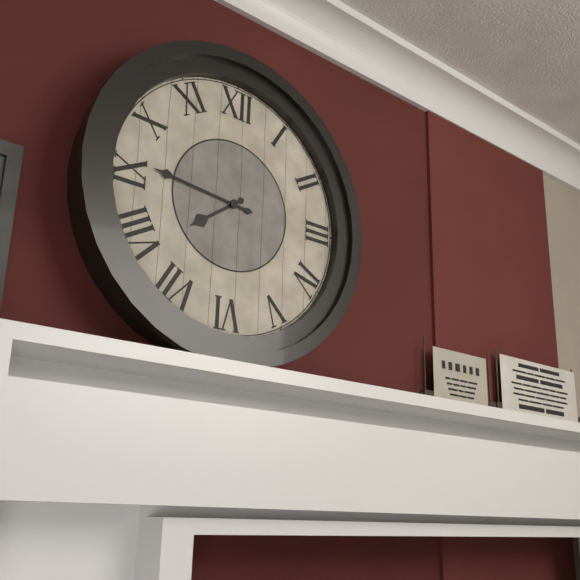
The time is 7:46
